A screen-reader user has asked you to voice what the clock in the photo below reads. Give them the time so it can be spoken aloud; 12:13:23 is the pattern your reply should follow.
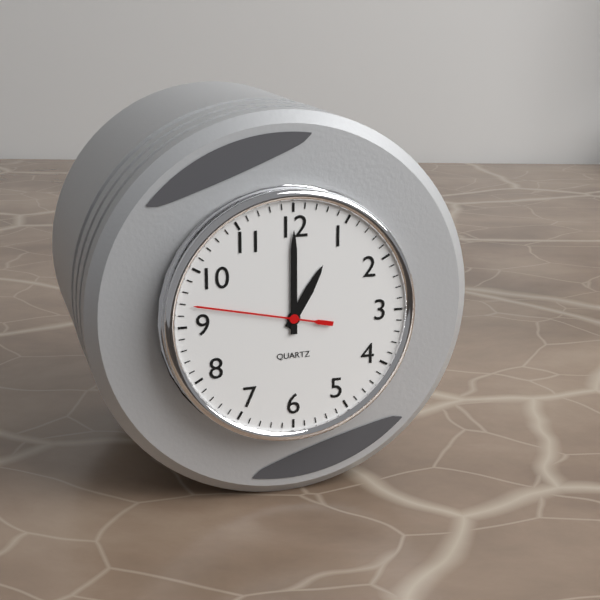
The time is 1:00:47
